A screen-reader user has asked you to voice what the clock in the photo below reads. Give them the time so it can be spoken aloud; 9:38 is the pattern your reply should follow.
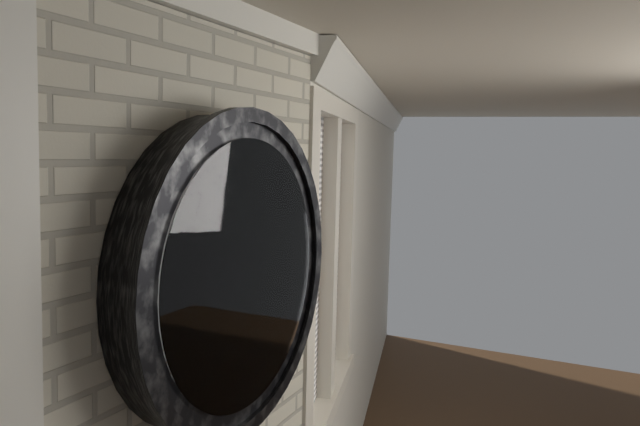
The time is 1:16
